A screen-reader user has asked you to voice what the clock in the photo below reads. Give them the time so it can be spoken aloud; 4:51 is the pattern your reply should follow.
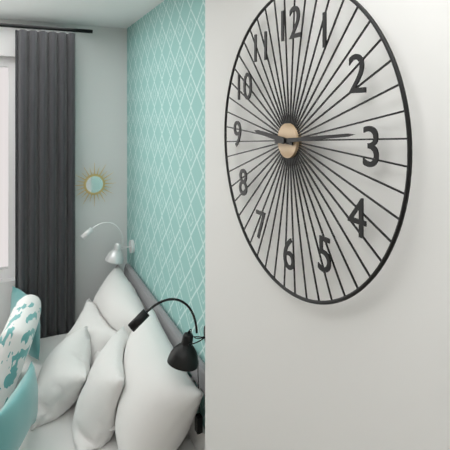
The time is 9:14
